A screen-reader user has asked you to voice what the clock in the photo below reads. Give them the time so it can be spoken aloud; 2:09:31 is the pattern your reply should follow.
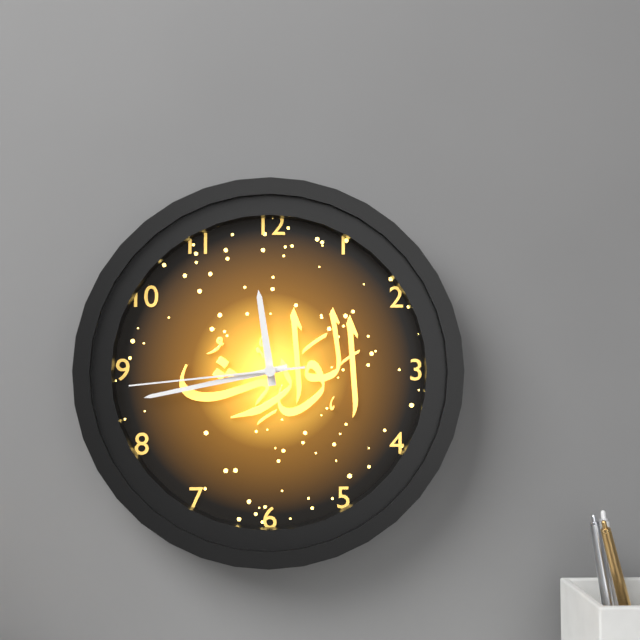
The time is 11:43:44
